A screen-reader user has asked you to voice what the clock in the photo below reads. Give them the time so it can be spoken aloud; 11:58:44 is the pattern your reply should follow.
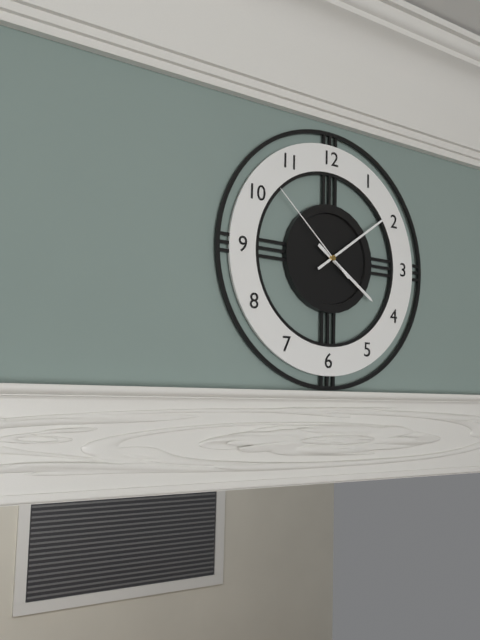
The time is 4:09:52
